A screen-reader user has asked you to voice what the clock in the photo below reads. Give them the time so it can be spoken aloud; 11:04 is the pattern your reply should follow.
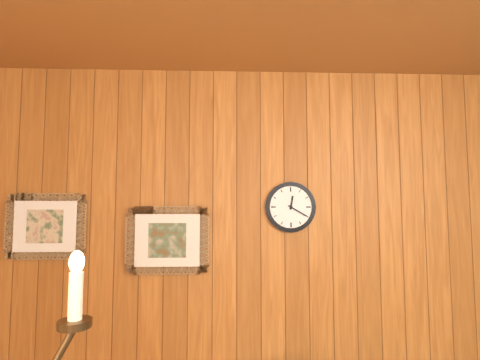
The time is 12:20
